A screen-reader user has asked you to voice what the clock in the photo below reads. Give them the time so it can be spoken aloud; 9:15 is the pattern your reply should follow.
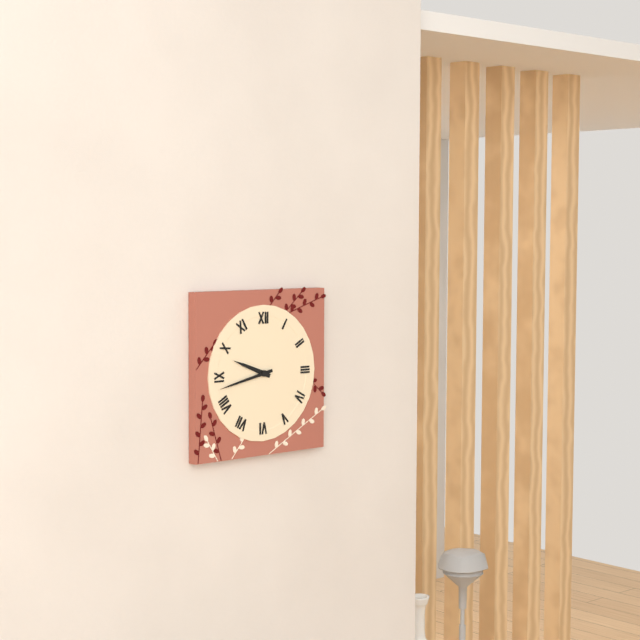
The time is 9:43
